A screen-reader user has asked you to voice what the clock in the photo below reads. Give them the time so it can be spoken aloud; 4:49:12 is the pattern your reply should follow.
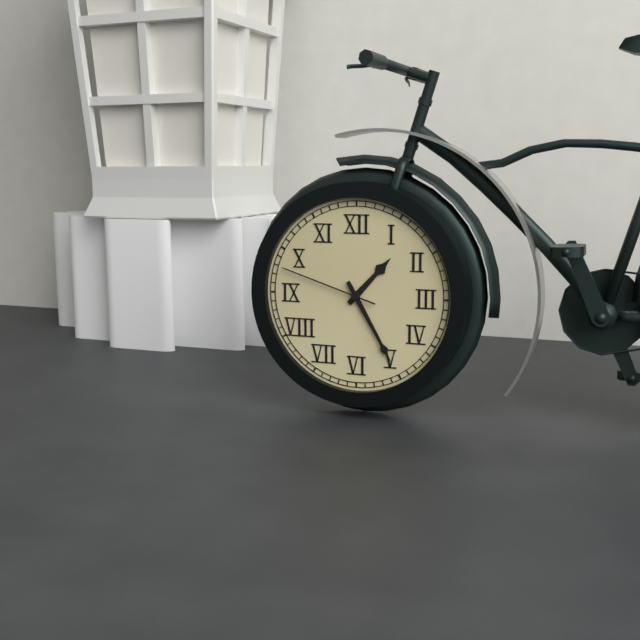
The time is 1:25:48
